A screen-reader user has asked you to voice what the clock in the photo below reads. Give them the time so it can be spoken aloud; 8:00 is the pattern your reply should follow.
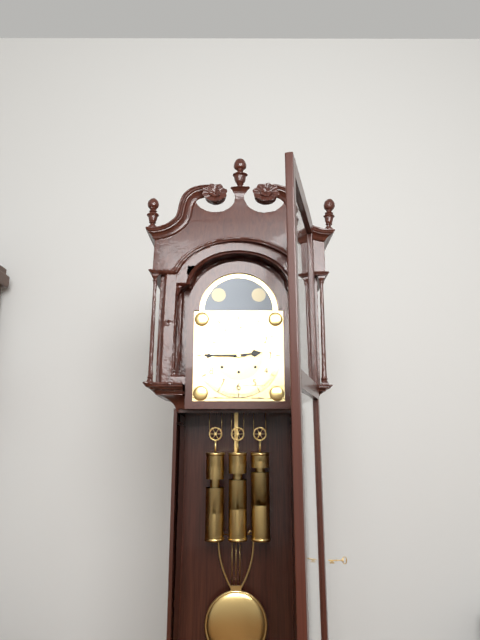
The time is 2:45
